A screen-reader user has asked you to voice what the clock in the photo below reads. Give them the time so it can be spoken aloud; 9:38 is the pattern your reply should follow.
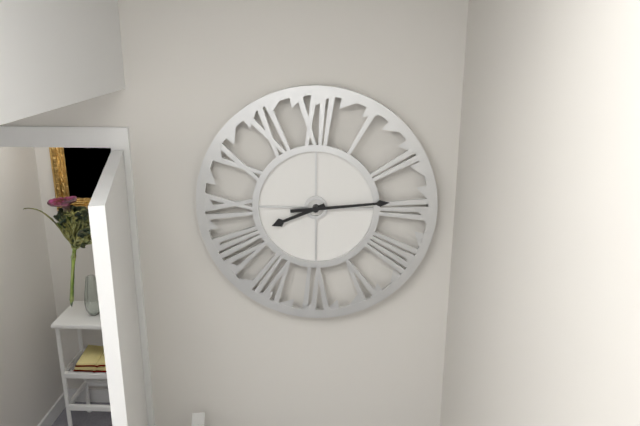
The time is 8:14
